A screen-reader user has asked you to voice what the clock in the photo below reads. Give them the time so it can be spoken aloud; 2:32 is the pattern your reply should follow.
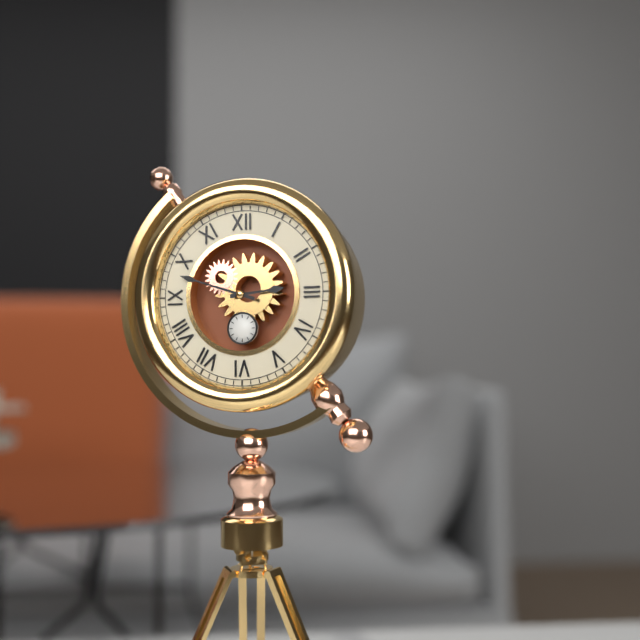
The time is 2:48
